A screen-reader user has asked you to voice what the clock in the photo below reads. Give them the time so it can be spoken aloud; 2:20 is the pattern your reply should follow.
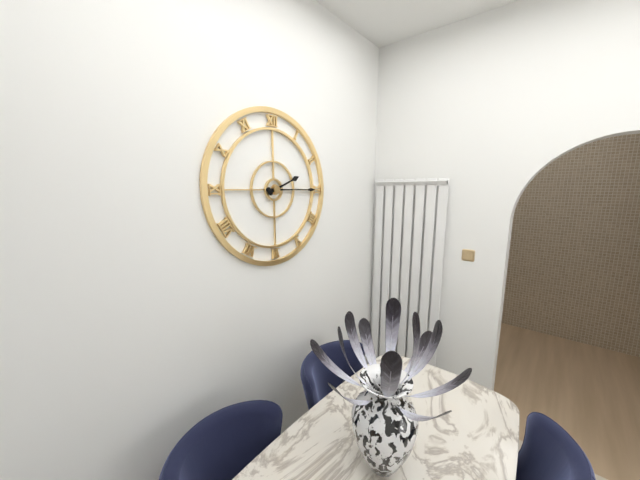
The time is 2:15
